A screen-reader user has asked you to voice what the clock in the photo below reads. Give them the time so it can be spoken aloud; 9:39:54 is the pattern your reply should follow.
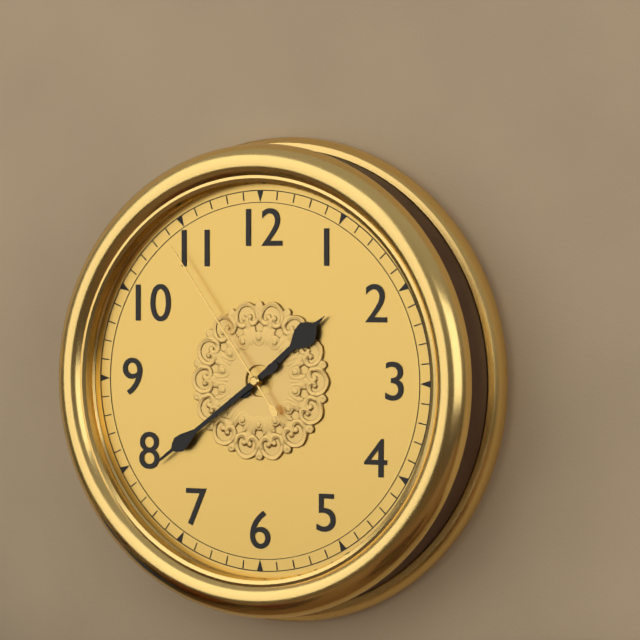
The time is 1:39:54
